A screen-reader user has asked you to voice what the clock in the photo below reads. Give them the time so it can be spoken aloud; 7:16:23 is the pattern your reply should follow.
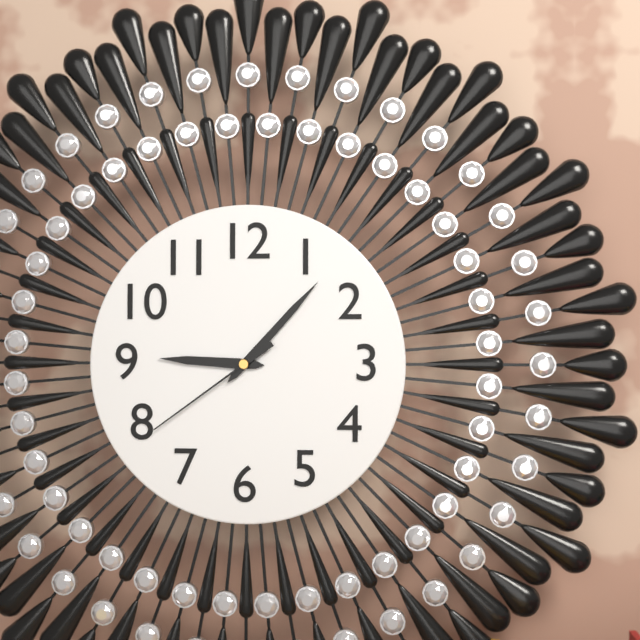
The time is 9:07:39
